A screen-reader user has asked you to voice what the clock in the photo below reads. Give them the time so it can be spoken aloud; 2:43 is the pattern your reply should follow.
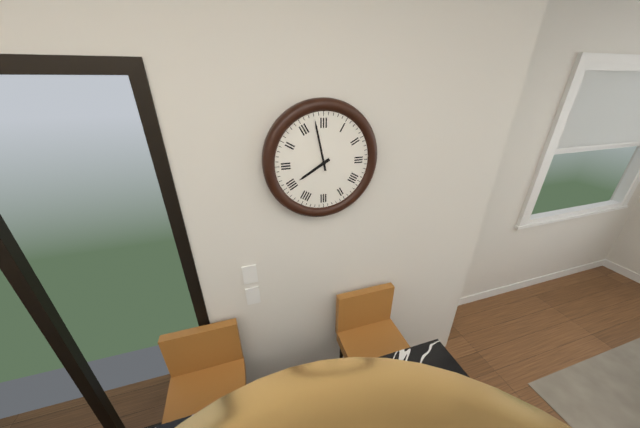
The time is 7:58
